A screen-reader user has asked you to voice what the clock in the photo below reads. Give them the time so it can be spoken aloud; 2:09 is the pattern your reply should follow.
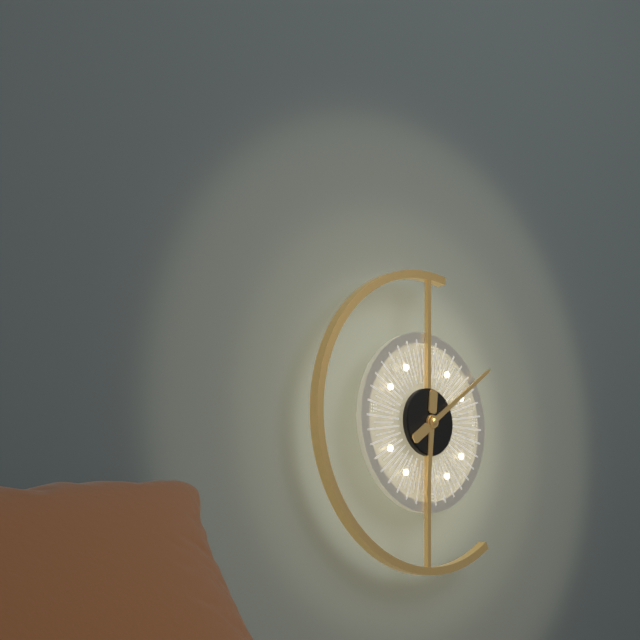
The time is 6:09
